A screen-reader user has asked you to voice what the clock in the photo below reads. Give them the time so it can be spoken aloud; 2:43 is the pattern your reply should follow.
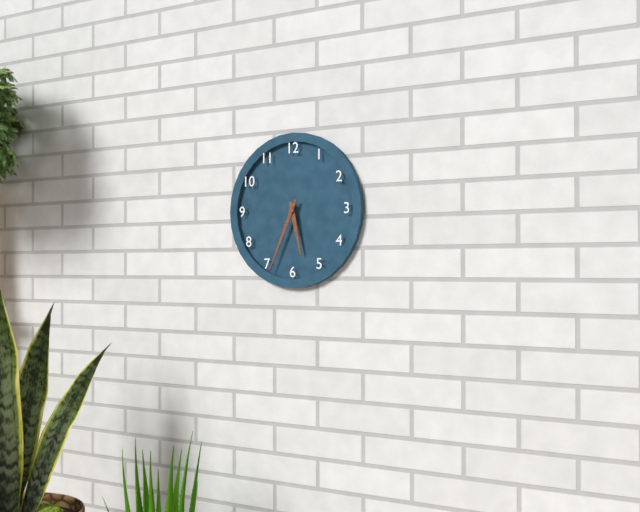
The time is 5:34
